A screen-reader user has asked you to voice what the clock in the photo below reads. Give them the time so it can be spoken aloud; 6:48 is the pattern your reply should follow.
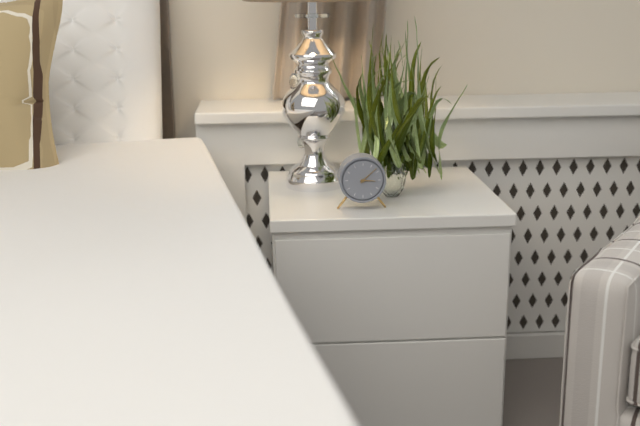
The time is 3:08
